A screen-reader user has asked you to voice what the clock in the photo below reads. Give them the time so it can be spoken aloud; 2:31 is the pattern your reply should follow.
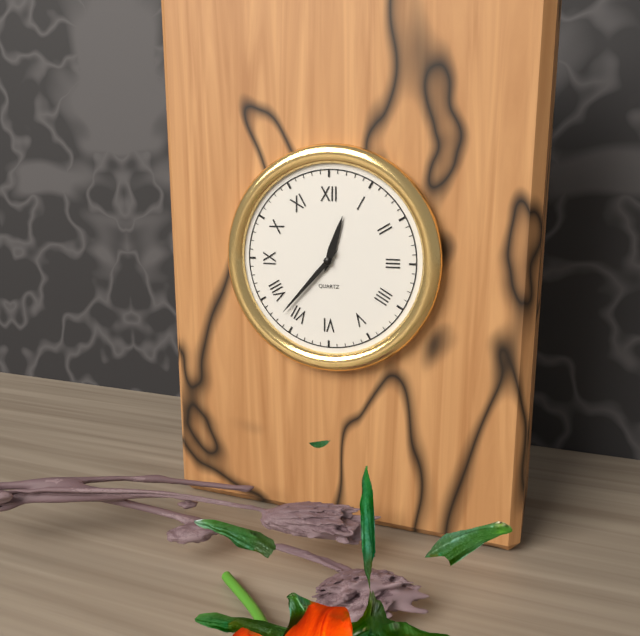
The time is 12:37
